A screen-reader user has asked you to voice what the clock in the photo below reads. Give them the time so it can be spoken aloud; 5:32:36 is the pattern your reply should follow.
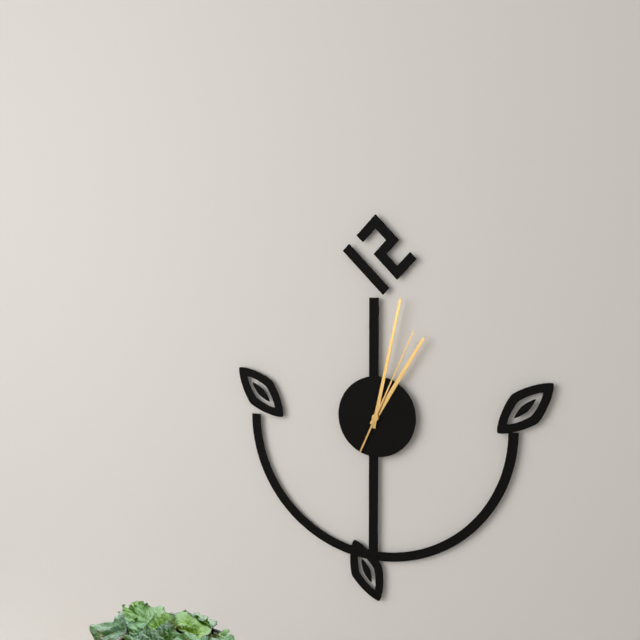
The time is 1:02:04
